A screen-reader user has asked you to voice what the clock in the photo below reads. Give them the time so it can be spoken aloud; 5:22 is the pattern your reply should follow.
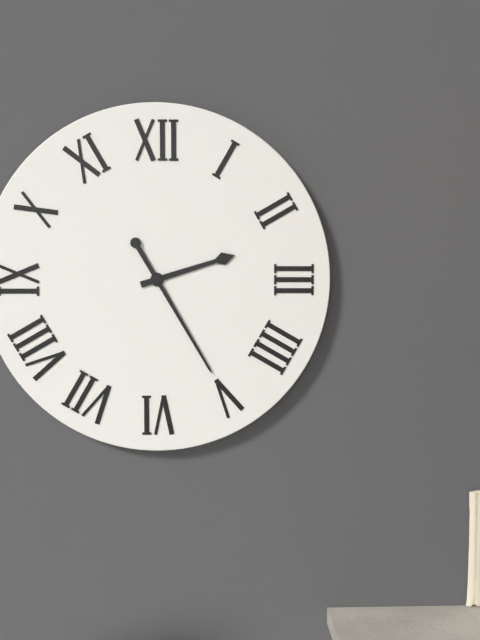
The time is 2:25
